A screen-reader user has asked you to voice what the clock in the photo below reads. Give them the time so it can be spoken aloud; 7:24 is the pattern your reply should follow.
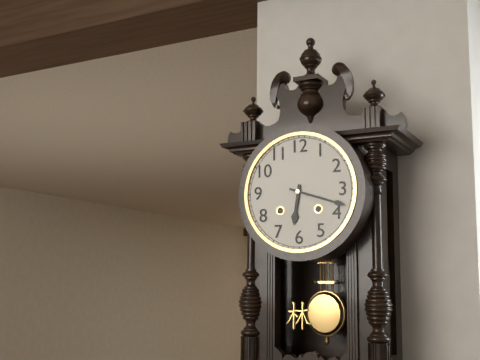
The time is 6:18
